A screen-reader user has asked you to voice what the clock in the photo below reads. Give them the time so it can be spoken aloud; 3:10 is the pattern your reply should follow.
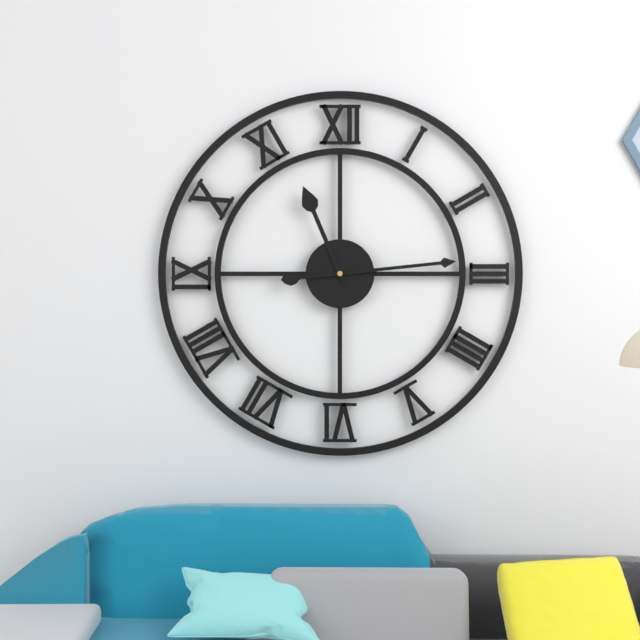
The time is 11:14
